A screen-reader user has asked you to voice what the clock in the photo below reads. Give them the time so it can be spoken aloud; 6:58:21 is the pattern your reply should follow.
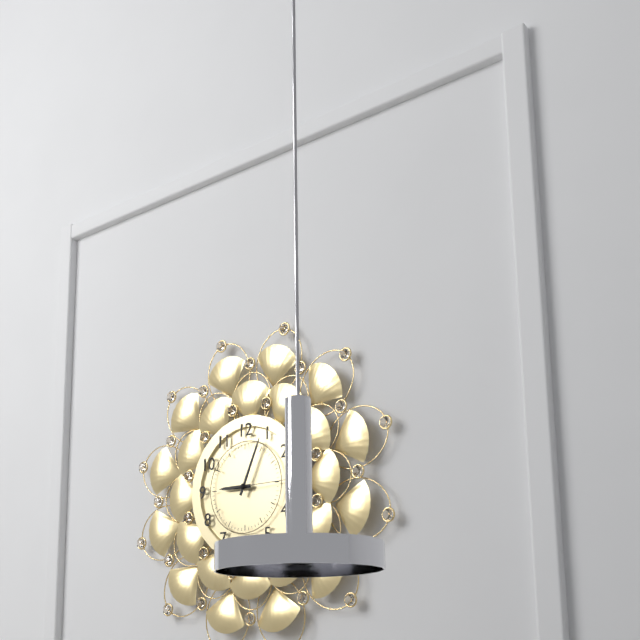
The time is 9:04:15
